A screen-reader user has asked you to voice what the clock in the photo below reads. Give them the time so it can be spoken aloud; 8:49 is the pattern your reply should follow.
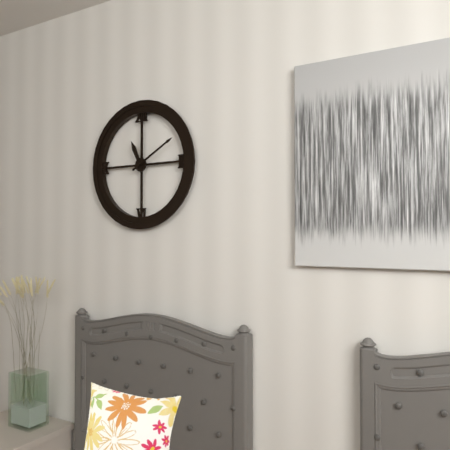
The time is 11:10
